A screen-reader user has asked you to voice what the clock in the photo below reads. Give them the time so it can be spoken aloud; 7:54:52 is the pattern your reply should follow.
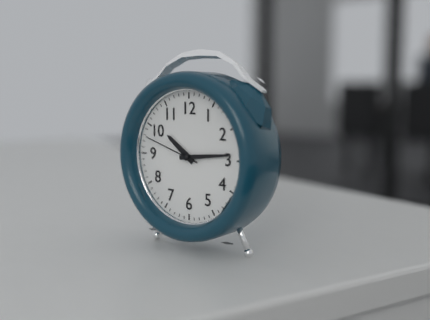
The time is 10:14:48
